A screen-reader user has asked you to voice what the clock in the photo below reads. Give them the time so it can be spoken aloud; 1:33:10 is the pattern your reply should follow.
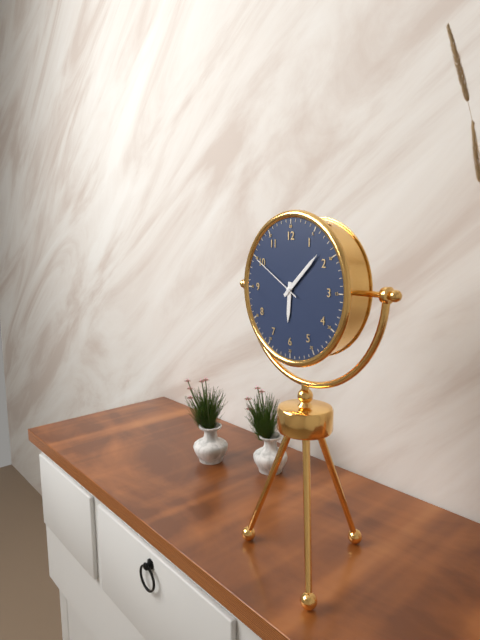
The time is 6:08:50
